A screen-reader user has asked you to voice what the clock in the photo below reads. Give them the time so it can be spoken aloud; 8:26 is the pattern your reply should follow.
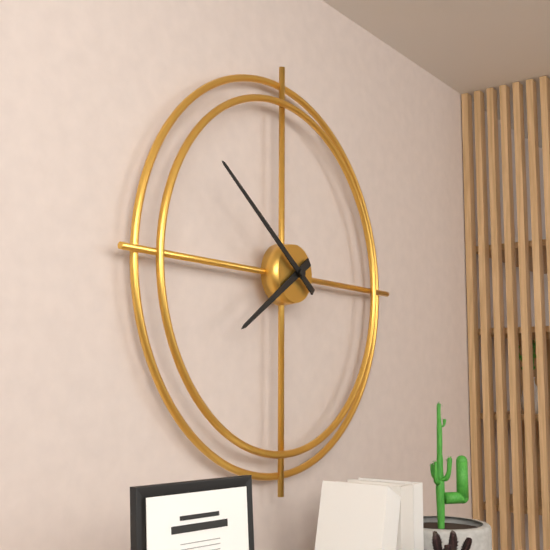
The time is 7:51
